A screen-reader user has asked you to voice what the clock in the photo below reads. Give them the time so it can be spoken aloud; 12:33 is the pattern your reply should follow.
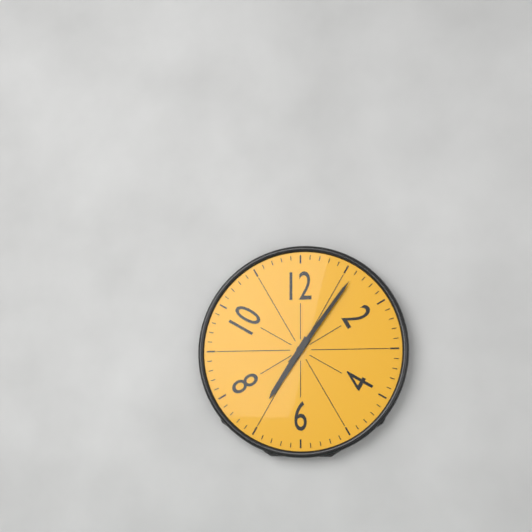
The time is 7:06
